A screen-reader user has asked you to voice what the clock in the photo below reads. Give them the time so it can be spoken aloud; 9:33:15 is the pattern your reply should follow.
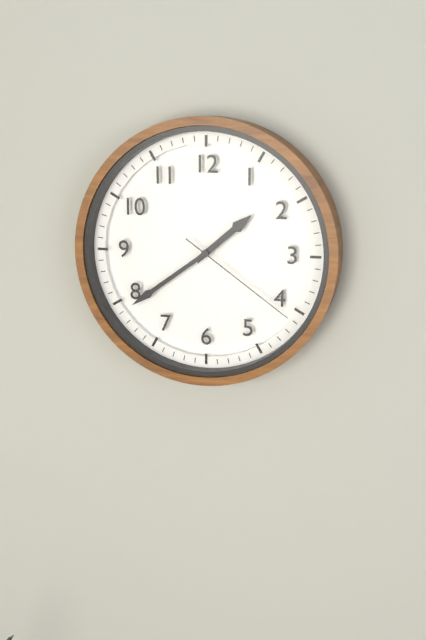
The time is 1:39:21
